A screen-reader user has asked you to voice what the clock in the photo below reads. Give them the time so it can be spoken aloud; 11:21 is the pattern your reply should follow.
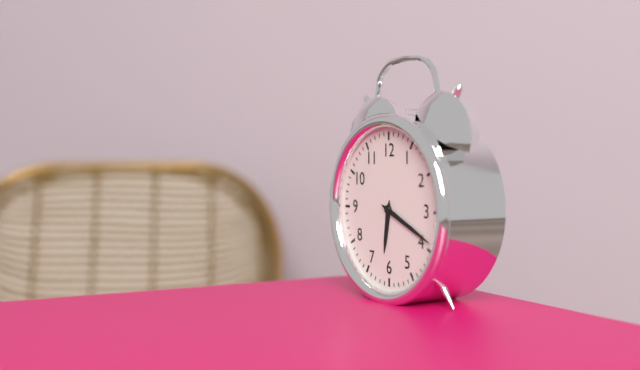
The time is 6:19
